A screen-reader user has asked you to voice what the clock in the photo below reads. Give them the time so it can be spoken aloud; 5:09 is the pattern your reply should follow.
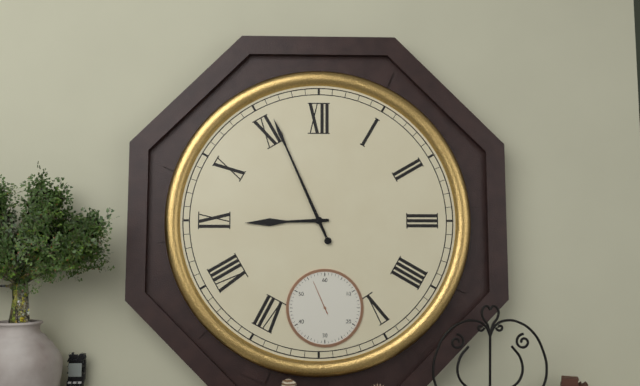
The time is 8:56
